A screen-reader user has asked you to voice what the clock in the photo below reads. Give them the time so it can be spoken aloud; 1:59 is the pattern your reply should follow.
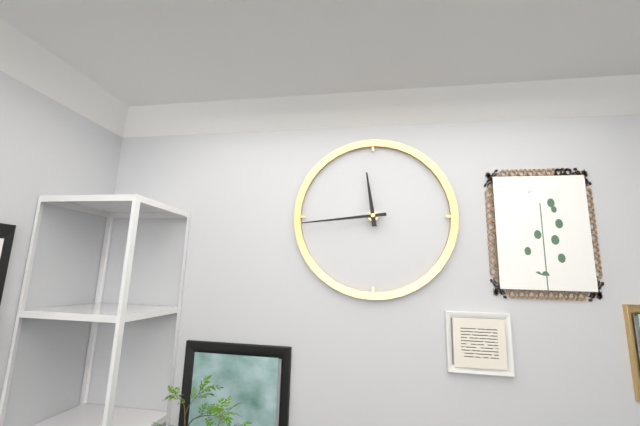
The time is 11:44
